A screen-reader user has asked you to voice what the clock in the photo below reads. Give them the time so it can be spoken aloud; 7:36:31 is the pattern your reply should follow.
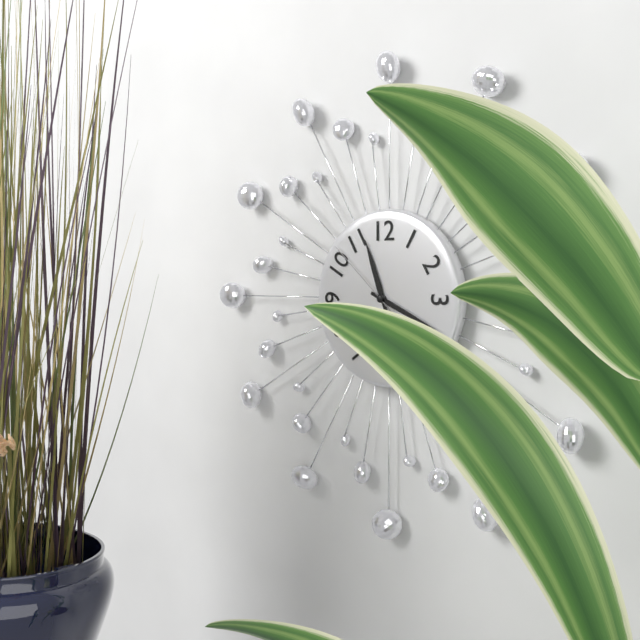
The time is 11:19:52
